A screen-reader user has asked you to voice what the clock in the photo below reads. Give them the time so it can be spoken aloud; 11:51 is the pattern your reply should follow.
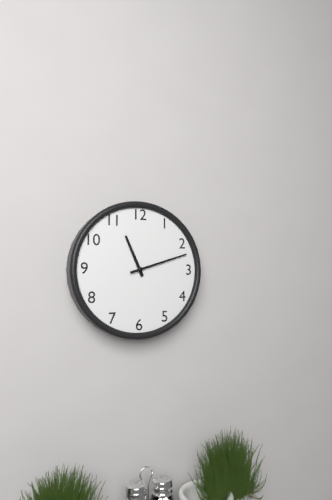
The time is 11:12
